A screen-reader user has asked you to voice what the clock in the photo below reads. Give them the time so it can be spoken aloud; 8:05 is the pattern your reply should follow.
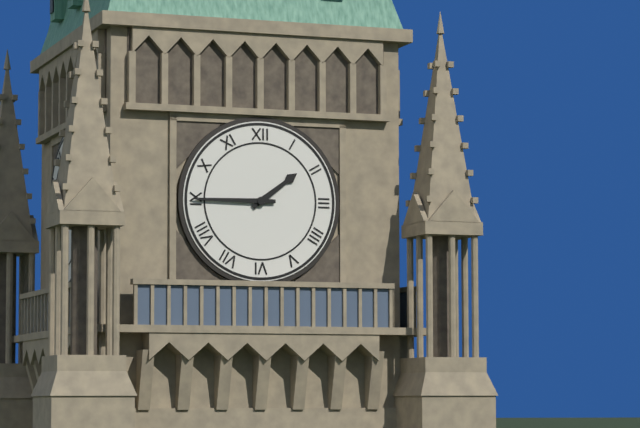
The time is 1:45
